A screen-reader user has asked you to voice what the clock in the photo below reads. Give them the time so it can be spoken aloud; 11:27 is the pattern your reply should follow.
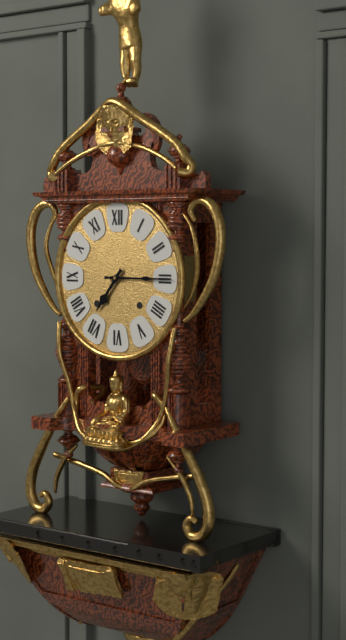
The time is 7:15
